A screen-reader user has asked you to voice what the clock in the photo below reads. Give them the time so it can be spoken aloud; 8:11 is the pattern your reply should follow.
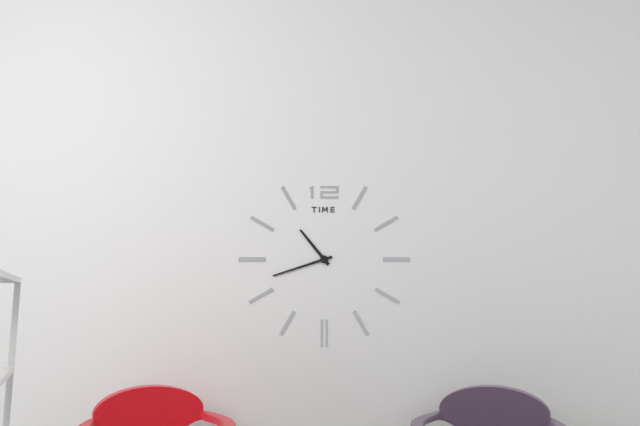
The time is 10:42
